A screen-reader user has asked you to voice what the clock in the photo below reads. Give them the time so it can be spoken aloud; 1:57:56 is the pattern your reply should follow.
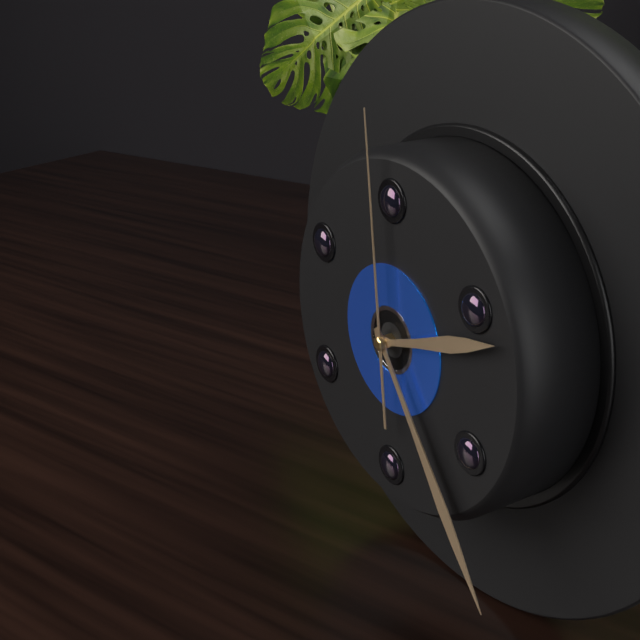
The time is 2:24:59
